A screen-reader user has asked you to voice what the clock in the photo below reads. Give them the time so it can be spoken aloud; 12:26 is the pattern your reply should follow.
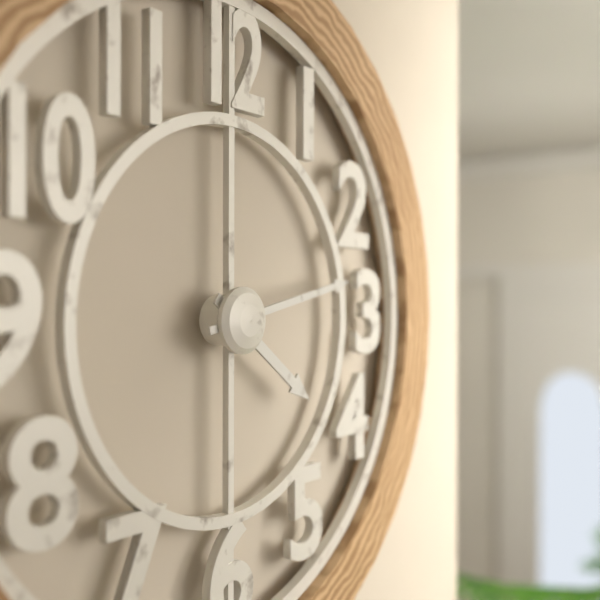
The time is 4:13
